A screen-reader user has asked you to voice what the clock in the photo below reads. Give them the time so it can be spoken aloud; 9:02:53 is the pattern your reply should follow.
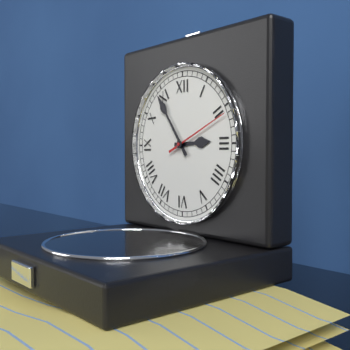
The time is 2:54:11
